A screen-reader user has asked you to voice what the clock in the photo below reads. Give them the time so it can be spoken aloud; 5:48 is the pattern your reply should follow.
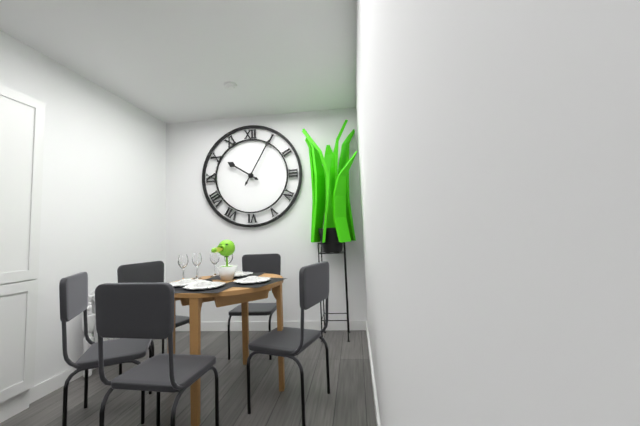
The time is 10:05
